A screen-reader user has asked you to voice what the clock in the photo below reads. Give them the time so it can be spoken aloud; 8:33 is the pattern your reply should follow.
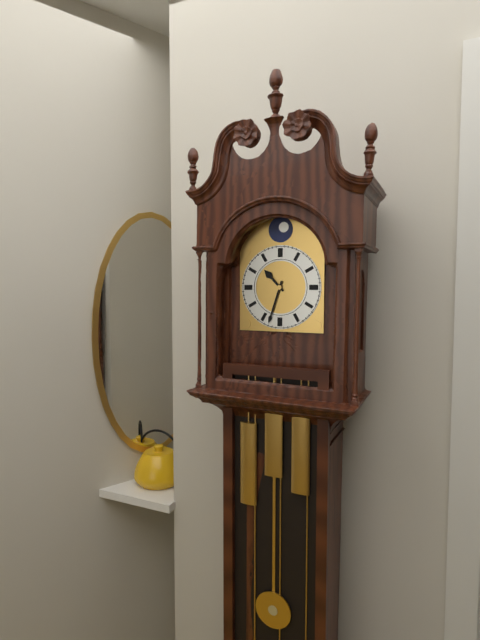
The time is 10:33
